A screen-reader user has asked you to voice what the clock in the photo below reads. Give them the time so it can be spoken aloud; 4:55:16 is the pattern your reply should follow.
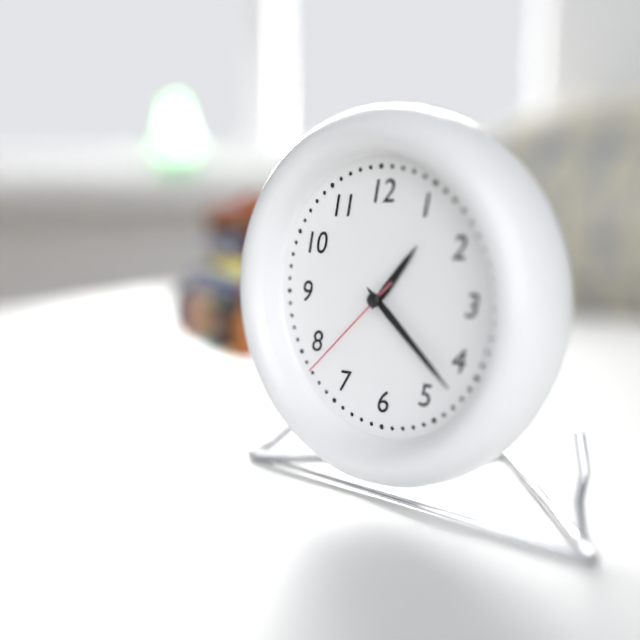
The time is 1:22:38
